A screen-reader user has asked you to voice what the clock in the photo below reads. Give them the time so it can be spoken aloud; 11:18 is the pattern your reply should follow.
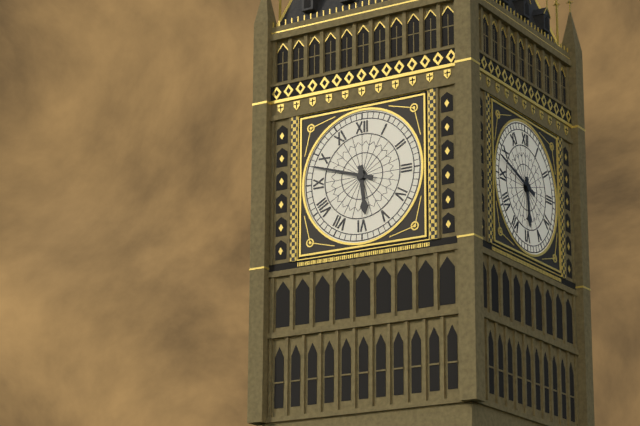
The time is 5:48
